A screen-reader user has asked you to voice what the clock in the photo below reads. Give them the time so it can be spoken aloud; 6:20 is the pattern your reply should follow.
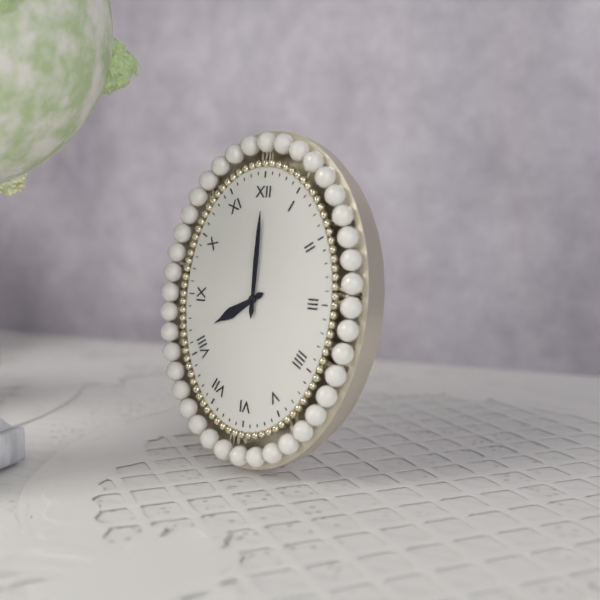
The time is 8:00
